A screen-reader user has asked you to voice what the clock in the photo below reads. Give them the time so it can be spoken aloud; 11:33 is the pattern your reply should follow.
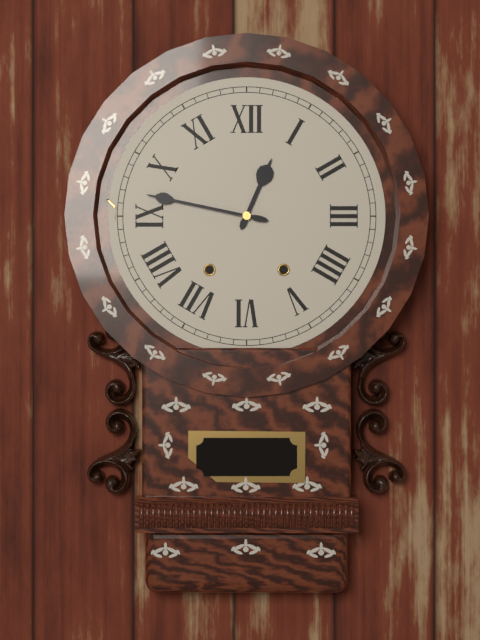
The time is 12:47
